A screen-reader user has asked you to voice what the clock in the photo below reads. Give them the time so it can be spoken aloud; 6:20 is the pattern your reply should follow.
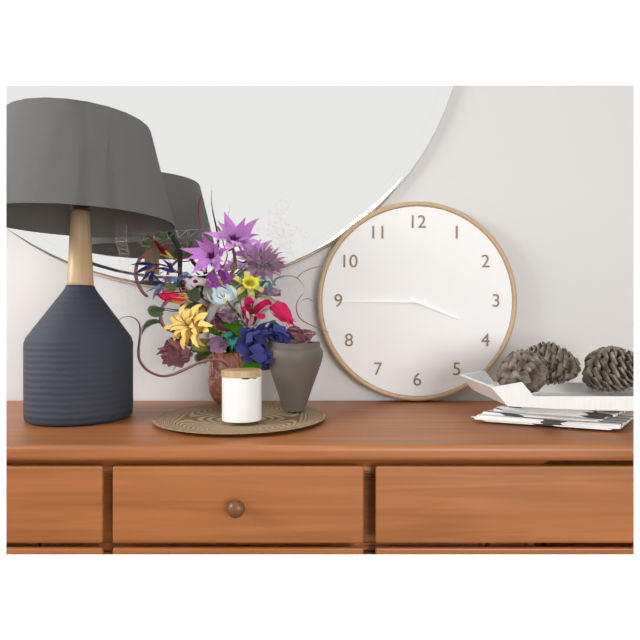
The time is 3:45
